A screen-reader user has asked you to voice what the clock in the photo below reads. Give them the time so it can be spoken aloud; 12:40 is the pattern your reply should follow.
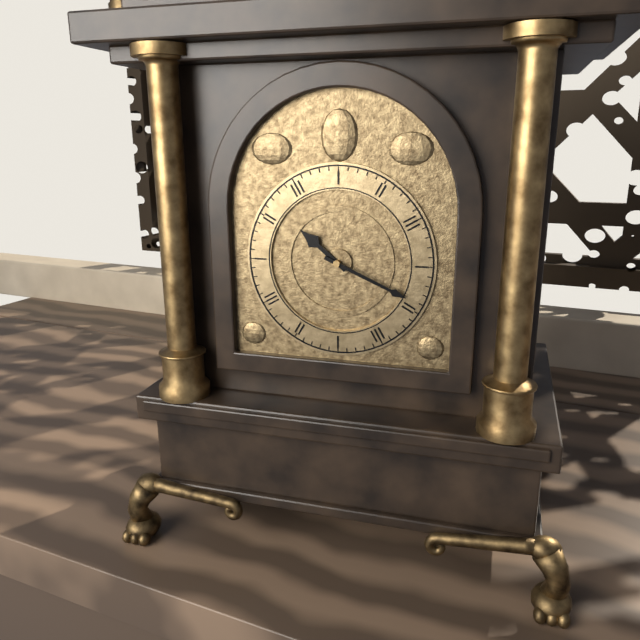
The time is 10:19
